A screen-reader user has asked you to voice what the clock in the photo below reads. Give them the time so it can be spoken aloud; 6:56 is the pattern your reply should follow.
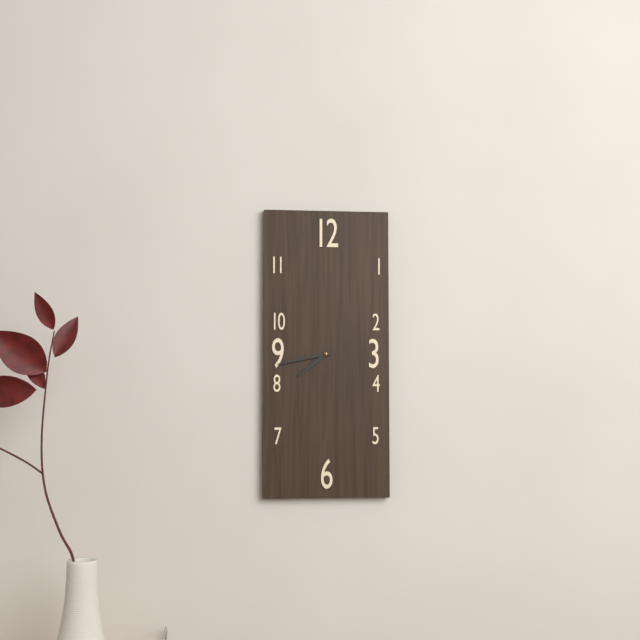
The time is 7:43
